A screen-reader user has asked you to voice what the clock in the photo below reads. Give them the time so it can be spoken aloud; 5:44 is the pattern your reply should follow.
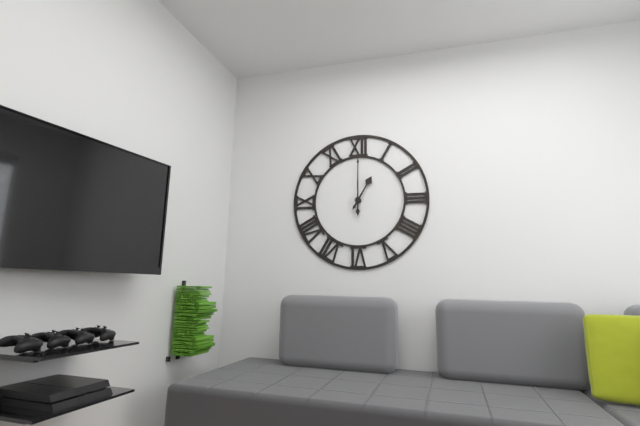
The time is 1:00
